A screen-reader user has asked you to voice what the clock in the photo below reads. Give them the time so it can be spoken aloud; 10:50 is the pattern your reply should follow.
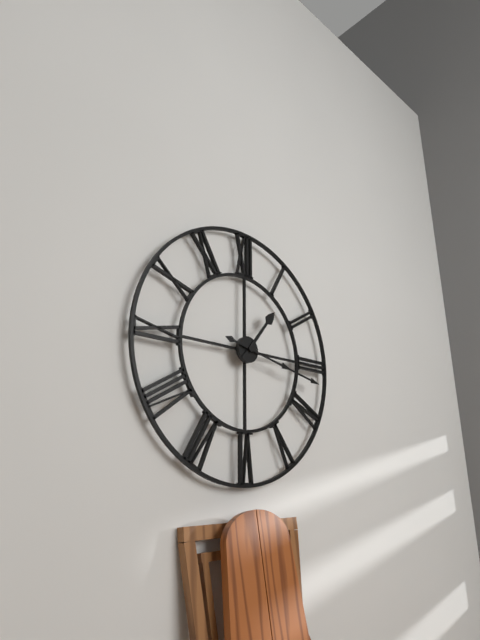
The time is 1:17
